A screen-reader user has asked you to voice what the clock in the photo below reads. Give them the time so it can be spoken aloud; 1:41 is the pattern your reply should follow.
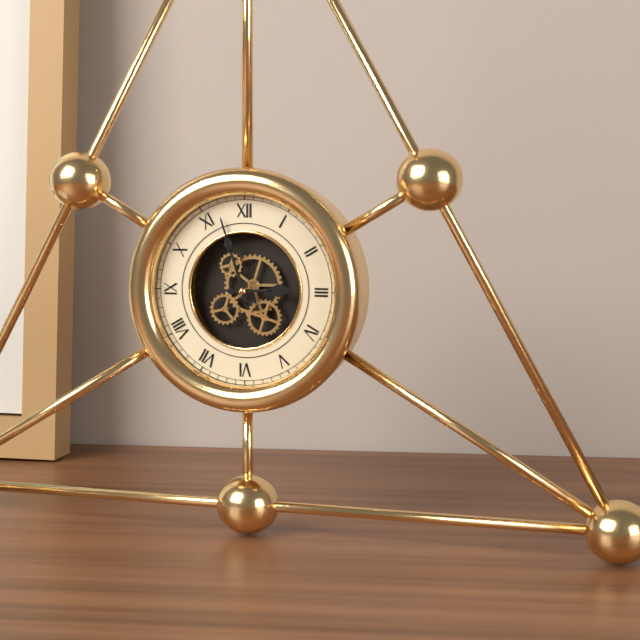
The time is 2:57
